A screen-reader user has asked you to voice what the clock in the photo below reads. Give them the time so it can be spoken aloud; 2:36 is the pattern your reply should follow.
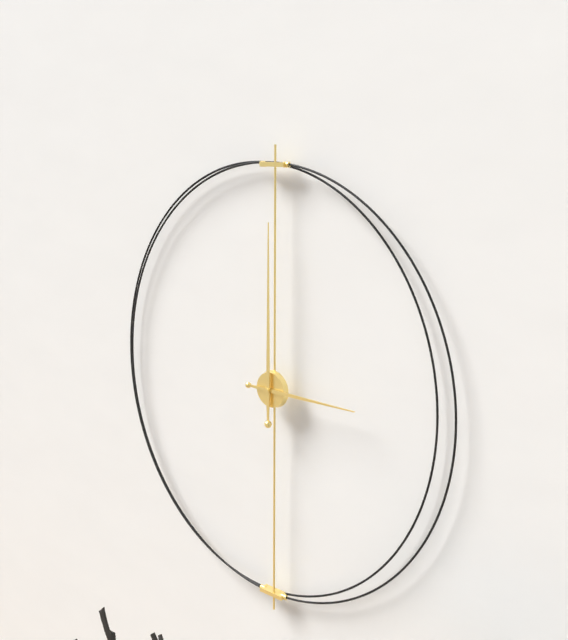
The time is 3:00
